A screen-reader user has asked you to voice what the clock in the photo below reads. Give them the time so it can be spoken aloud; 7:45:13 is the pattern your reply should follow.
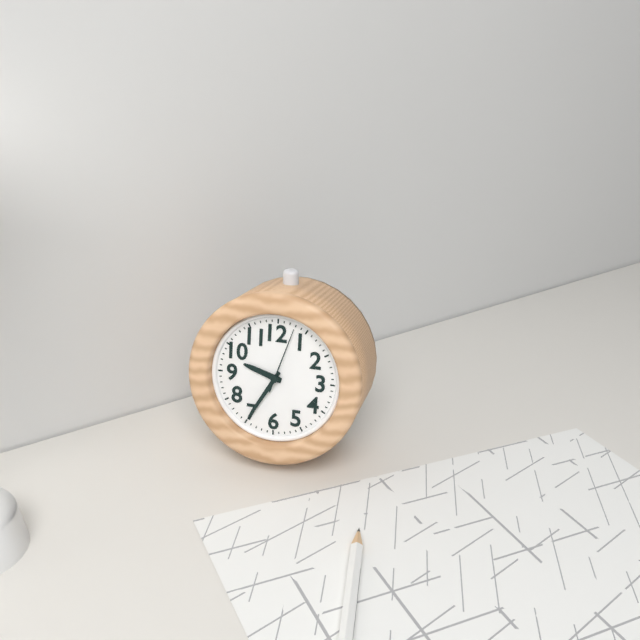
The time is 9:35:03
